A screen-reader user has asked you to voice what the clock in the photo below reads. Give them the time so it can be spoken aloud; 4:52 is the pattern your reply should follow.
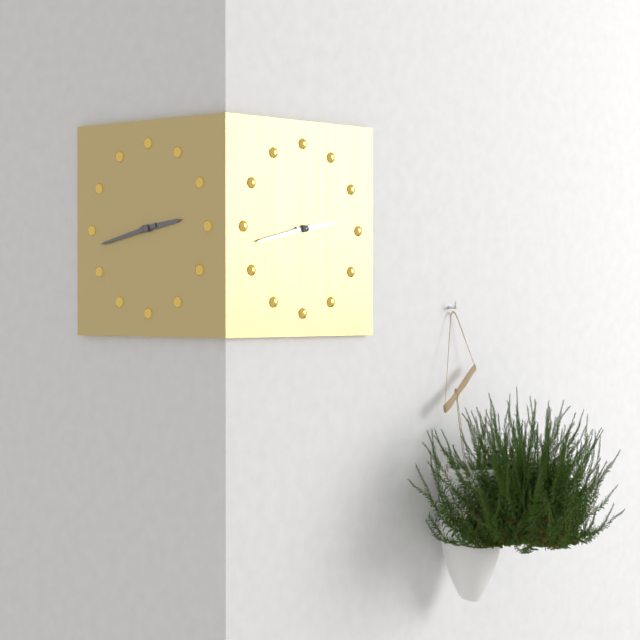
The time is 2:43
